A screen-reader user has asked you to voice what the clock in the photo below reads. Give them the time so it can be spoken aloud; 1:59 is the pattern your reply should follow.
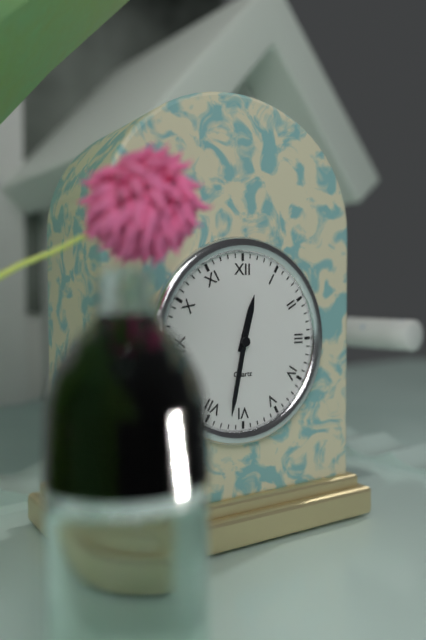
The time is 12:32
